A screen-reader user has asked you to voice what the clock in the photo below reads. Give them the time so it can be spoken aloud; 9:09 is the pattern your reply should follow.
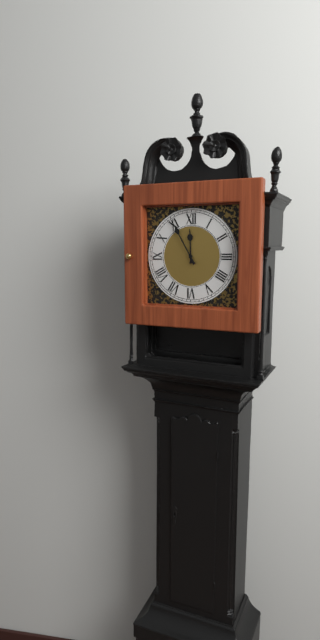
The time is 11:55
